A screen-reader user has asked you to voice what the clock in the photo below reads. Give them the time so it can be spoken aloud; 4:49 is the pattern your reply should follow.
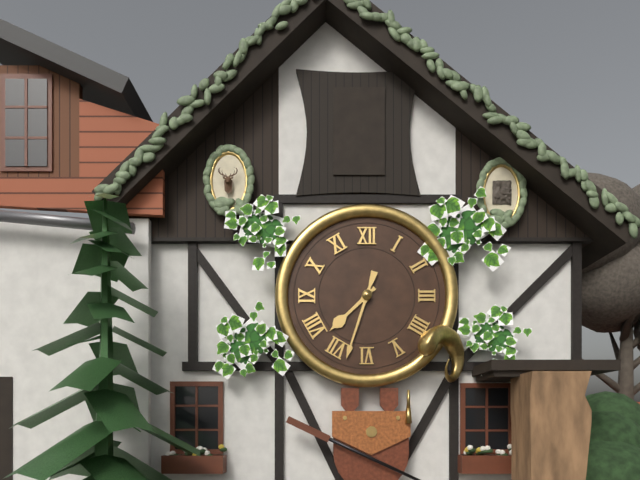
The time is 7:33
